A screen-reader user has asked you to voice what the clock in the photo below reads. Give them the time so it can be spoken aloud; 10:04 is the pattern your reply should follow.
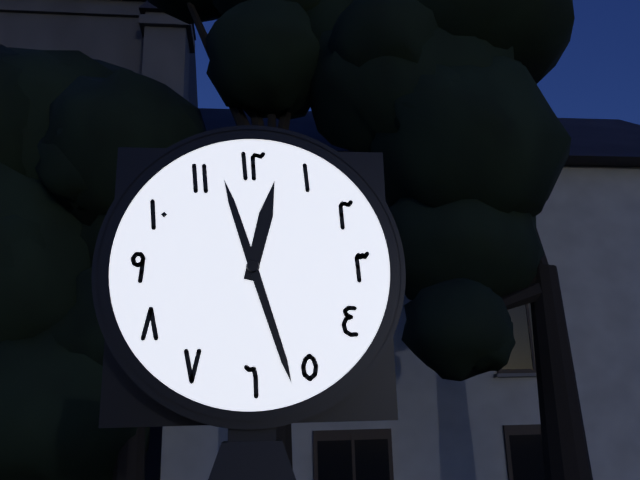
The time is 12:27
